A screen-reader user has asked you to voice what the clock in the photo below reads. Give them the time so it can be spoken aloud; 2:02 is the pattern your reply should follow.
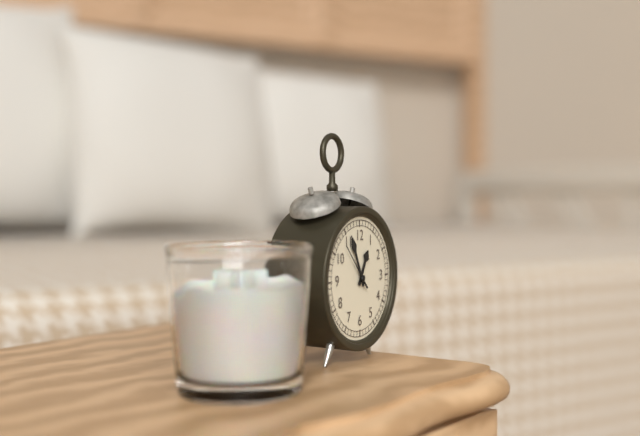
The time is 12:56
